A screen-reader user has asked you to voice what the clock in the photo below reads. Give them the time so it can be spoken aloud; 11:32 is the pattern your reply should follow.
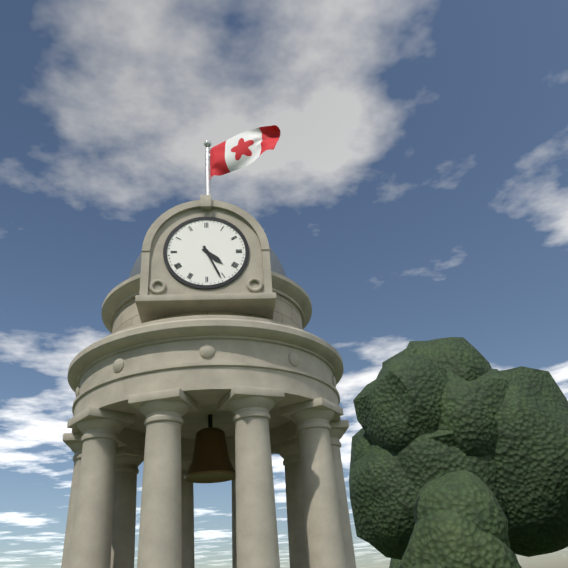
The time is 4:26
